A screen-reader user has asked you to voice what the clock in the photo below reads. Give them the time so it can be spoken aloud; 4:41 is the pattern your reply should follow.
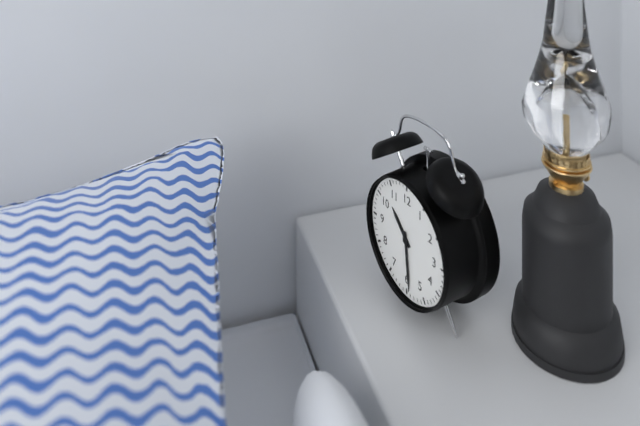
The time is 10:29
